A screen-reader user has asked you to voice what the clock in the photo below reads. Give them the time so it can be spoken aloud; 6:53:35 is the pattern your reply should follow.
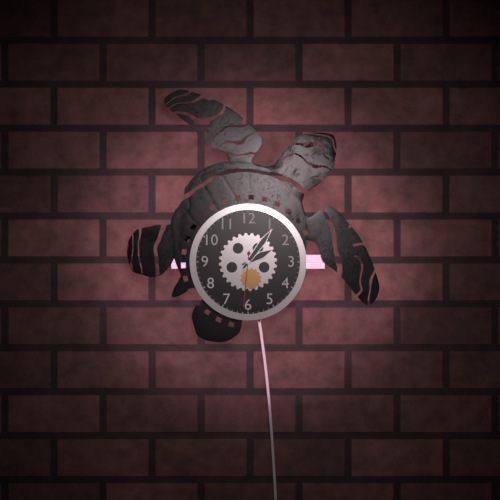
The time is 2:06:31
